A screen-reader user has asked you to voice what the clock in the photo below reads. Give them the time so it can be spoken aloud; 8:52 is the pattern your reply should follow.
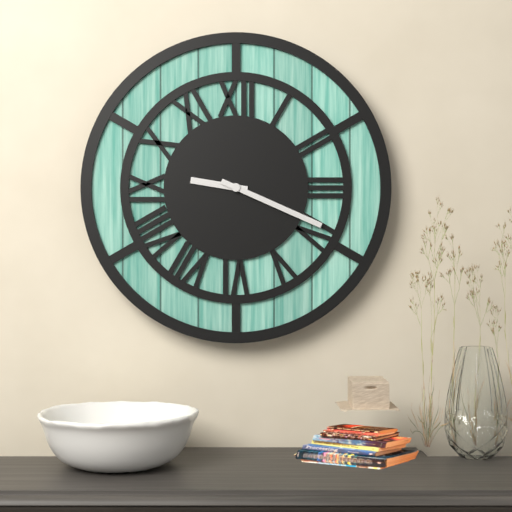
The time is 9:19
